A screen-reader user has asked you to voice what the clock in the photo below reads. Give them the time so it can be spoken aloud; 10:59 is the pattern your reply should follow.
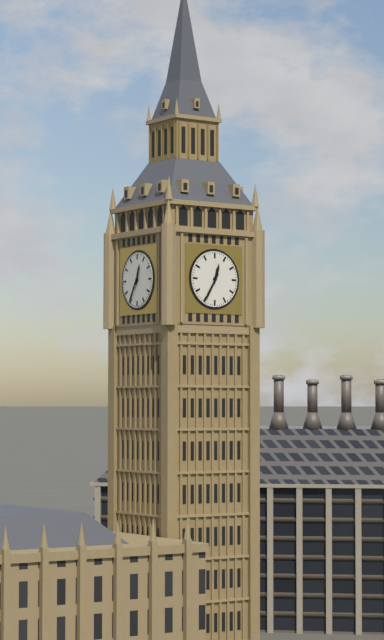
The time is 12:35
